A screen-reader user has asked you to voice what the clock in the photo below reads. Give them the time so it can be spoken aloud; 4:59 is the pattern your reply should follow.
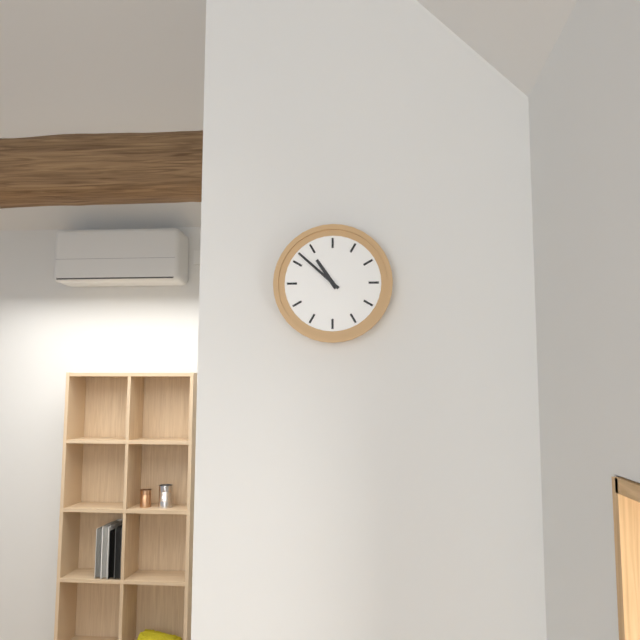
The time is 10:52
